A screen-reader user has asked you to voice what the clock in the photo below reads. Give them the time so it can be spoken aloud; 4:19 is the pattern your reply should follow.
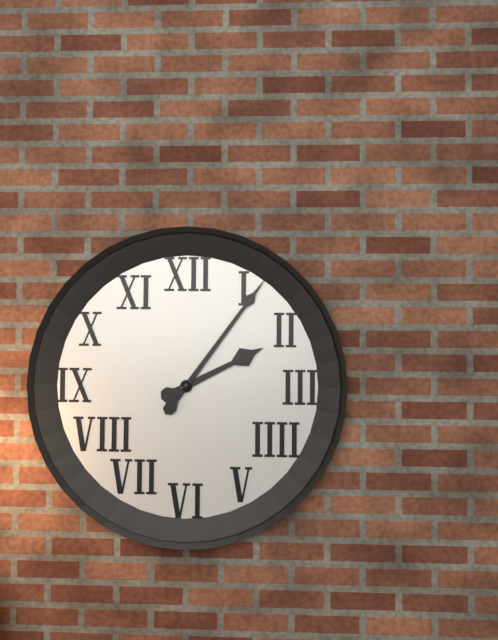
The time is 2:06
